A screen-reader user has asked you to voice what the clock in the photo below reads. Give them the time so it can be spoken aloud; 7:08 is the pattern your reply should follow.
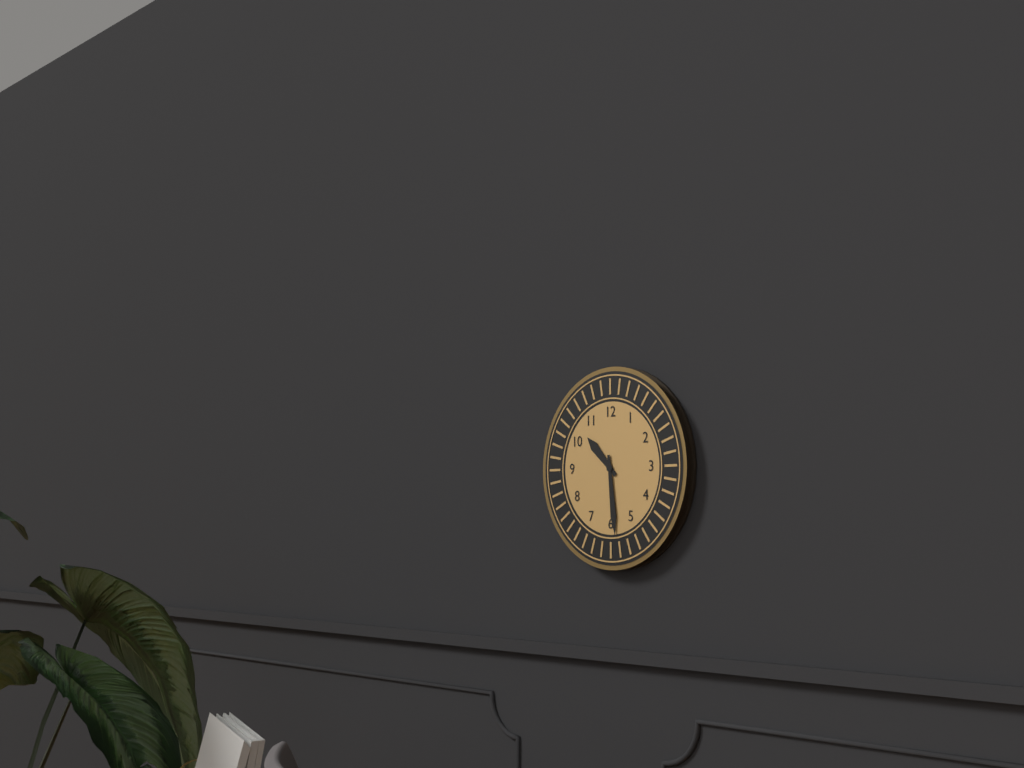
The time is 10:29
